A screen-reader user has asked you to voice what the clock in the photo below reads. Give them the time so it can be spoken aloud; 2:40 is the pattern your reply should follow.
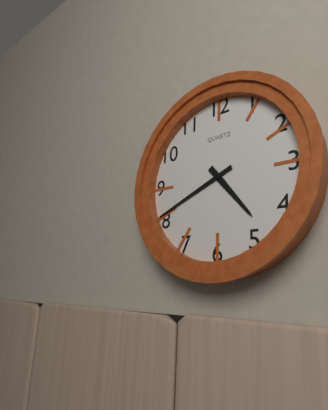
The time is 4:41
